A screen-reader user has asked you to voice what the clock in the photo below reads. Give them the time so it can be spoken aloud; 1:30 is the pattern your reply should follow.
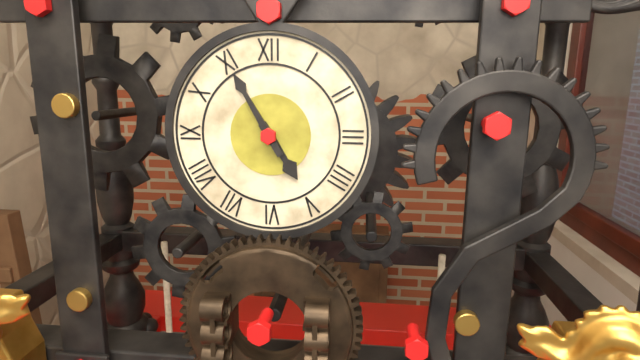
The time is 4:55
